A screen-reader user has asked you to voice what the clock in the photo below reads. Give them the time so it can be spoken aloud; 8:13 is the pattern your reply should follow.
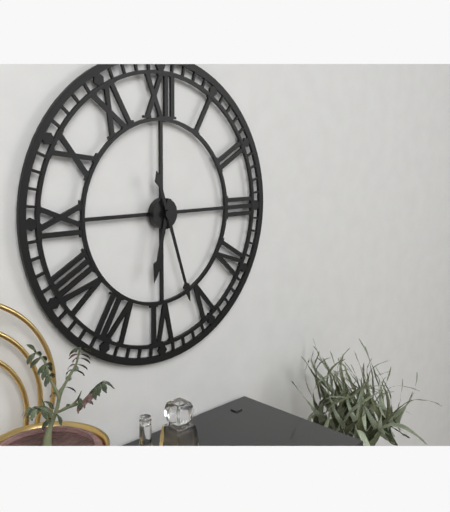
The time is 6:27
